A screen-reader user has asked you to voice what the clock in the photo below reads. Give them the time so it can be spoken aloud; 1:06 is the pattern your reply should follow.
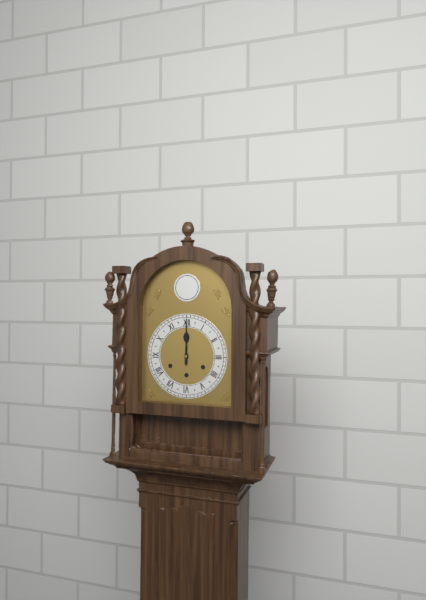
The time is 12:00
